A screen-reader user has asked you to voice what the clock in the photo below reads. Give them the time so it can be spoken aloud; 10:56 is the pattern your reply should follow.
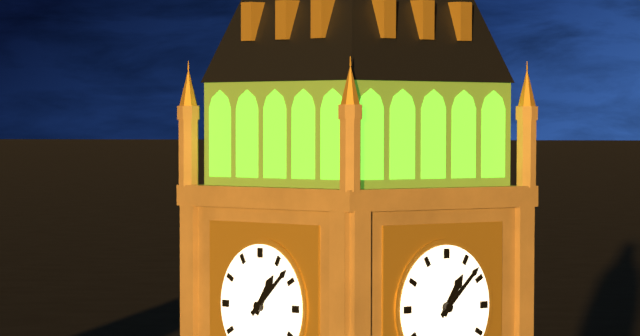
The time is 1:08
